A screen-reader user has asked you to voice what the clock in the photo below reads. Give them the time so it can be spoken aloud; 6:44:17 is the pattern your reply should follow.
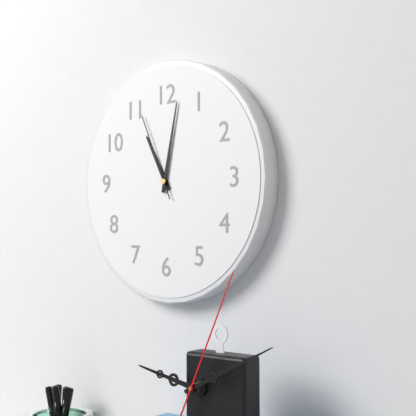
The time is 11:02:56
